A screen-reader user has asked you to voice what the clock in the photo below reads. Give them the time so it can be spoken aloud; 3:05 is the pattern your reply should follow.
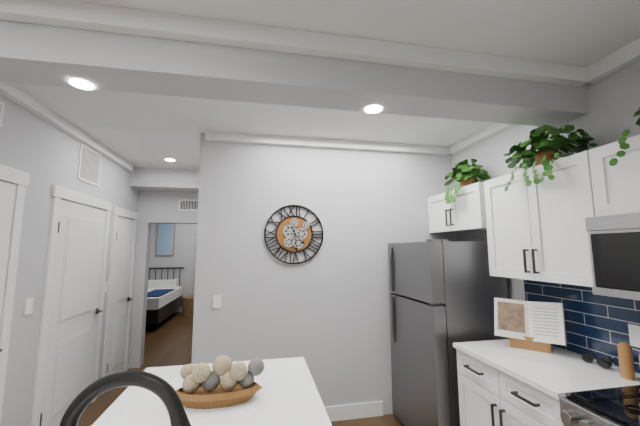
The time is 4:29
